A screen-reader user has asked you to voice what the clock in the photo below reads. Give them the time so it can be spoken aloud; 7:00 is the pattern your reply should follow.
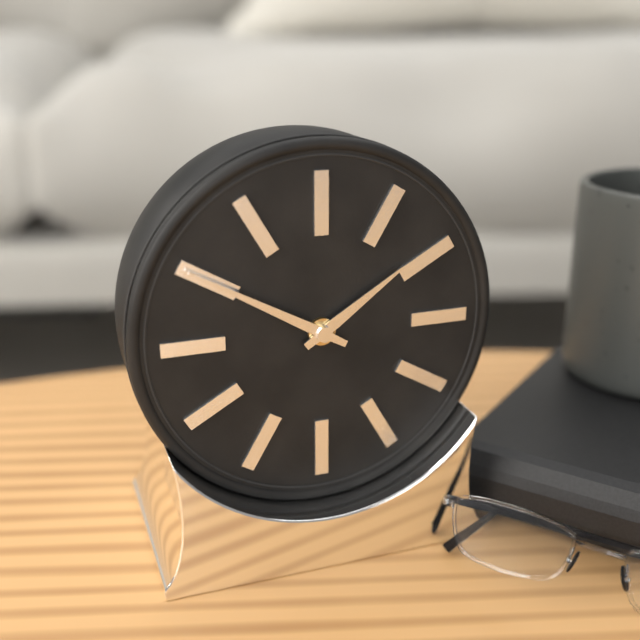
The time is 1:50
